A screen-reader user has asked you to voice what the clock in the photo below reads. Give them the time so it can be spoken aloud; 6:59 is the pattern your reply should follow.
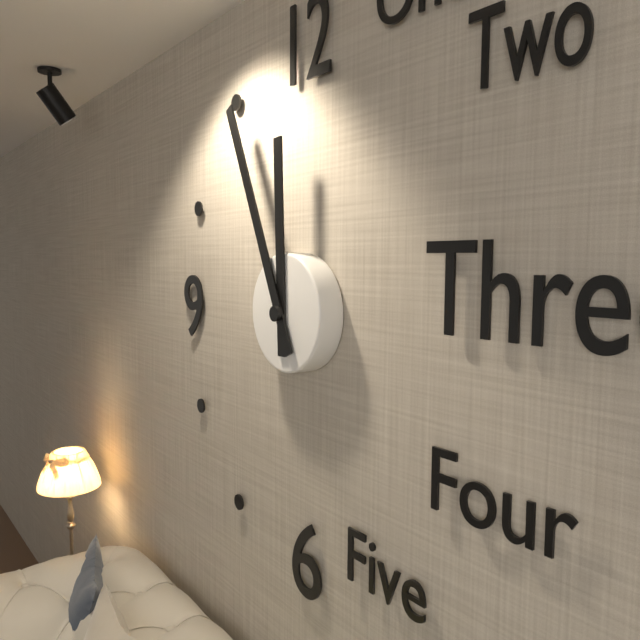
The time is 11:56
